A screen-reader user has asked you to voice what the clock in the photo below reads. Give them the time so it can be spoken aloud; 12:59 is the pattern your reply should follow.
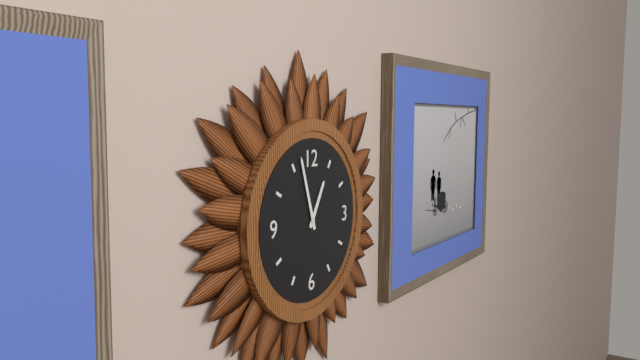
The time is 12:57
